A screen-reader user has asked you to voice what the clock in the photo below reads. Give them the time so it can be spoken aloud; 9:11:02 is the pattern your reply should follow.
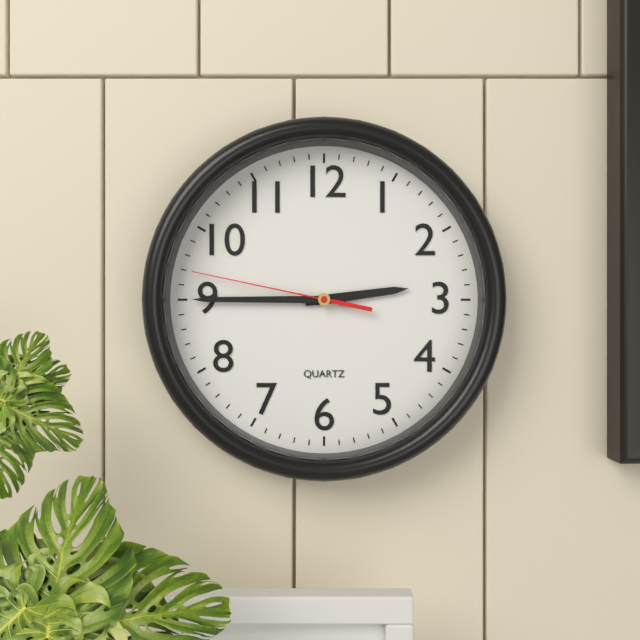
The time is 2:45:47
